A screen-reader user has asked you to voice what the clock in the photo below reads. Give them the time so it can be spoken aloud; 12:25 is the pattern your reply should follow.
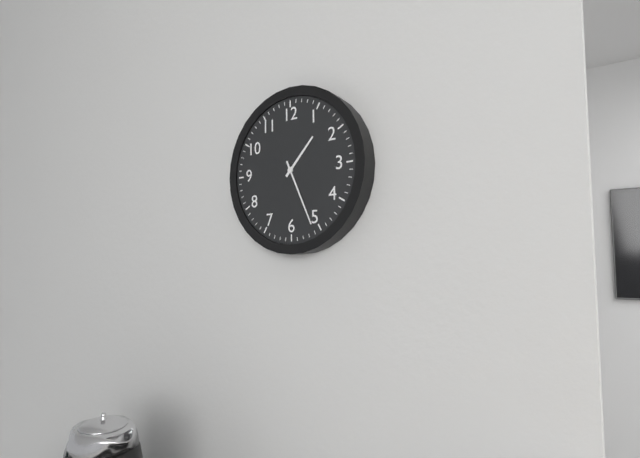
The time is 1:26
